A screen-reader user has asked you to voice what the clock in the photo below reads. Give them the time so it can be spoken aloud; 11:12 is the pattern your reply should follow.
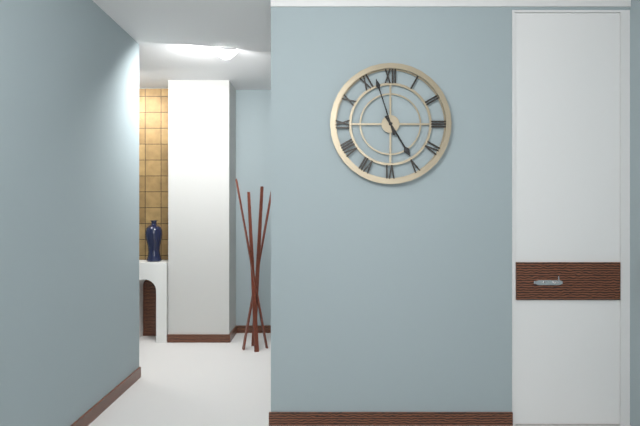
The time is 4:57
